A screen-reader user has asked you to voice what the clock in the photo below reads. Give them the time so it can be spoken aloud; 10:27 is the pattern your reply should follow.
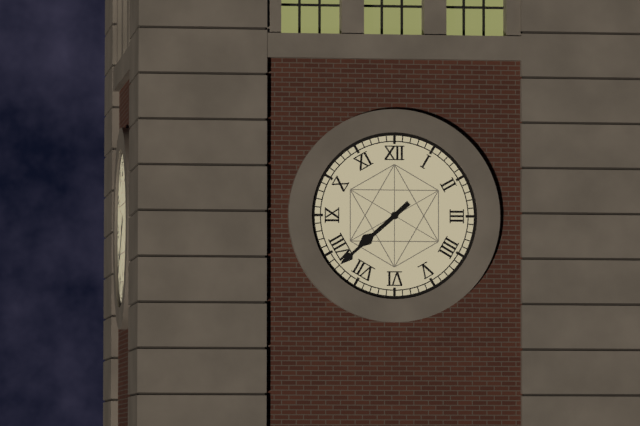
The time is 7:38
